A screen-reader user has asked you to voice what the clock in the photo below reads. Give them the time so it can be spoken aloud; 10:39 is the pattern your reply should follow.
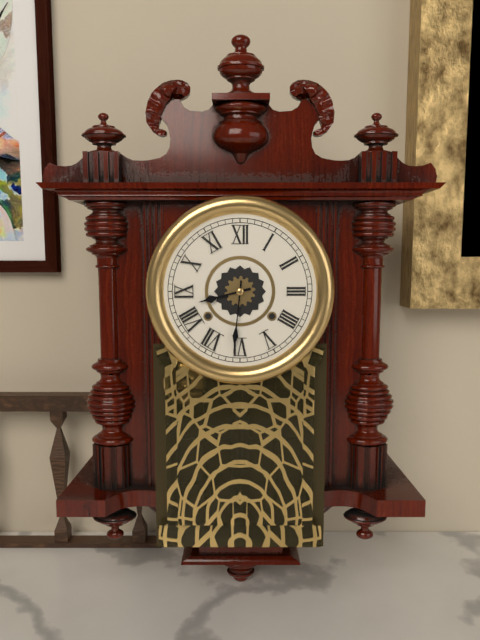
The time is 8:31
